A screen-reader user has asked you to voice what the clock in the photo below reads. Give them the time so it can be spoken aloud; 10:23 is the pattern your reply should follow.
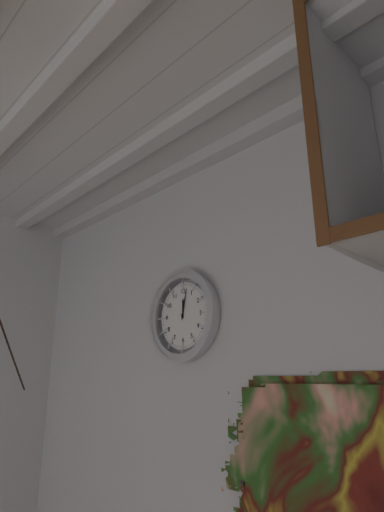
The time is 12:02
